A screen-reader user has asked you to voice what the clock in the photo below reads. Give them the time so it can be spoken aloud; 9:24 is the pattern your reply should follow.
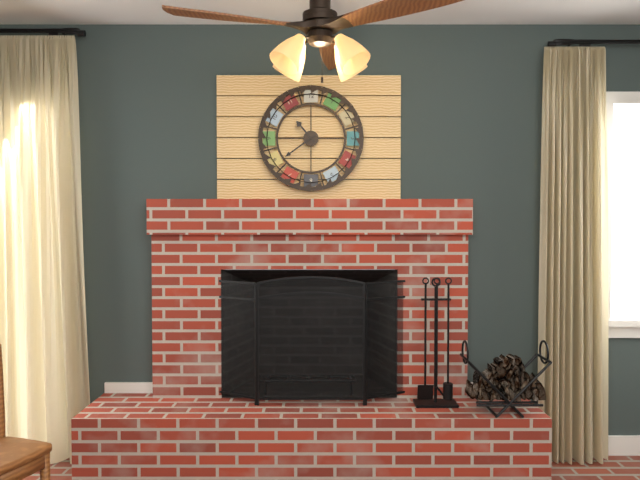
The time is 10:39
